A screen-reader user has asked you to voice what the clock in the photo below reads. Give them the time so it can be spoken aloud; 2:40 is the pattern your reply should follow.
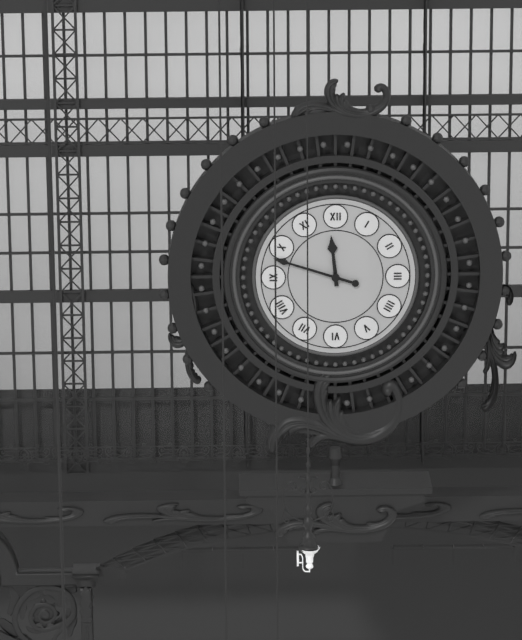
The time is 11:48
